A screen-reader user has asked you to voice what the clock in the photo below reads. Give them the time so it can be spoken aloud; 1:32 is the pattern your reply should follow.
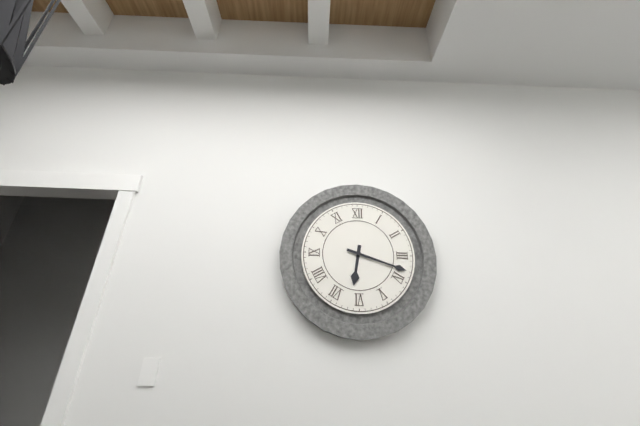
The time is 6:18
